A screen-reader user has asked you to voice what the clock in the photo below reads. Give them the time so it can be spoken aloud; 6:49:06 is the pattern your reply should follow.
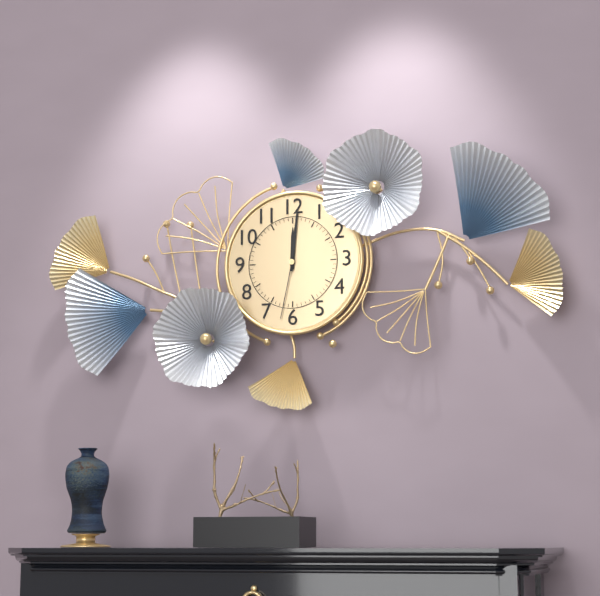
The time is 12:01:32
